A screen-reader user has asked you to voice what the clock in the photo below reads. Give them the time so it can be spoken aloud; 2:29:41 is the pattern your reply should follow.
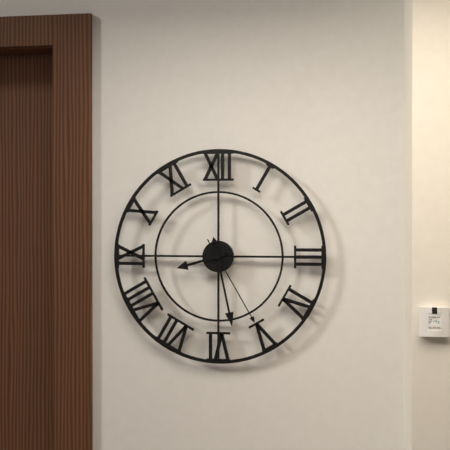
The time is 8:28:25
